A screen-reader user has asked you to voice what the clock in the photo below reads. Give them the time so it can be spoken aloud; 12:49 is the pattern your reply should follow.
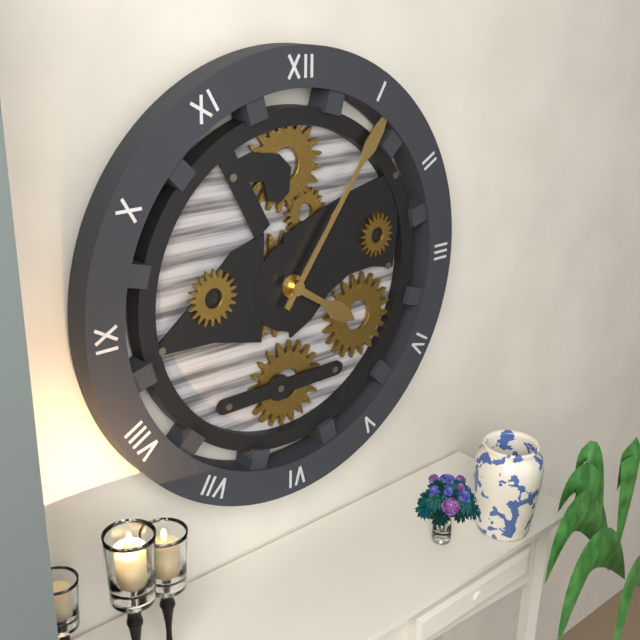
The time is 4:06
